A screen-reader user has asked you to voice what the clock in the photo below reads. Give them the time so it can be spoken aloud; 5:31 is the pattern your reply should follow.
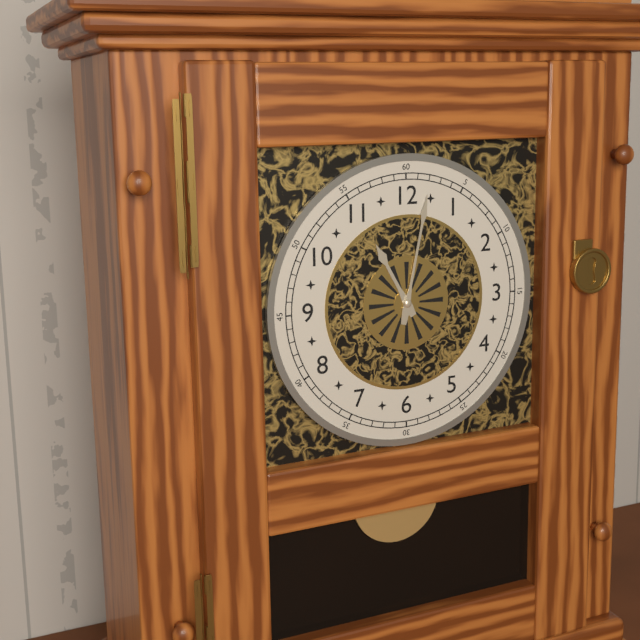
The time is 11:02
